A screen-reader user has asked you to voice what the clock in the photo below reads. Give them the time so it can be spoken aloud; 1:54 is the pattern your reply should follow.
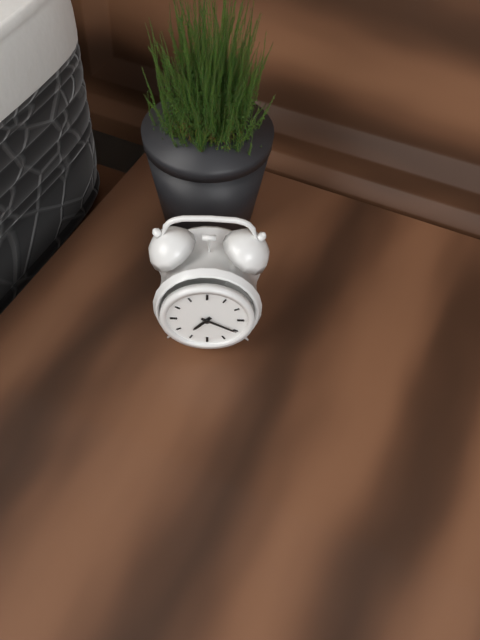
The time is 7:20
